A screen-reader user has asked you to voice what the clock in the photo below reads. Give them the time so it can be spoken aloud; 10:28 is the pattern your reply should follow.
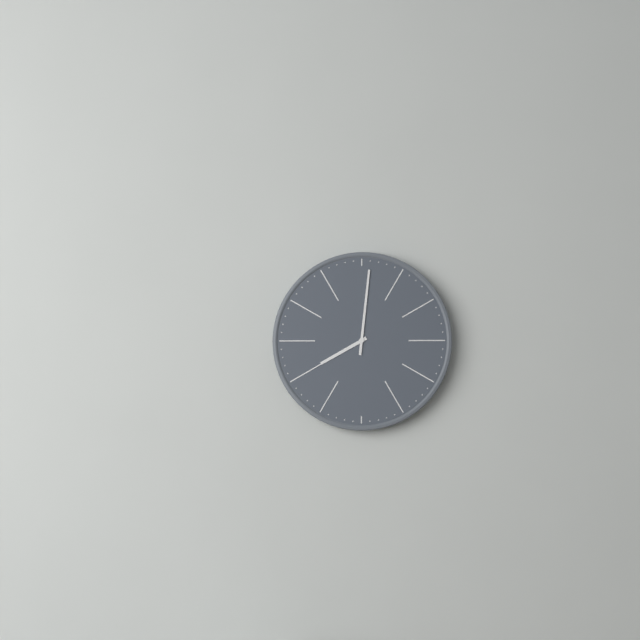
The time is 8:01
